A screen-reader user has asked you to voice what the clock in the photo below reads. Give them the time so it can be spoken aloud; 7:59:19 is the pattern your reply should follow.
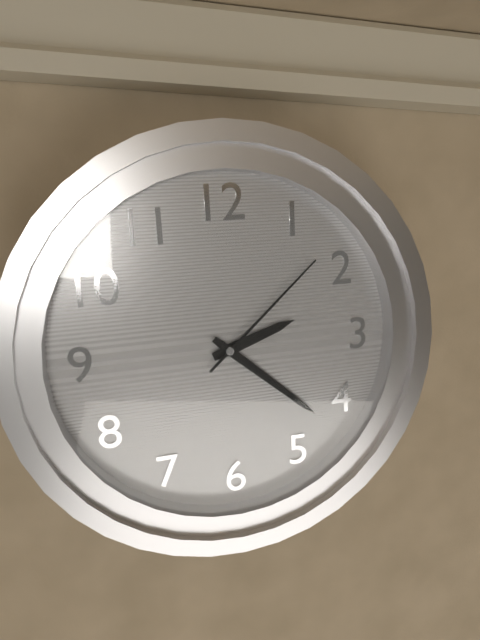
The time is 2:22:08
